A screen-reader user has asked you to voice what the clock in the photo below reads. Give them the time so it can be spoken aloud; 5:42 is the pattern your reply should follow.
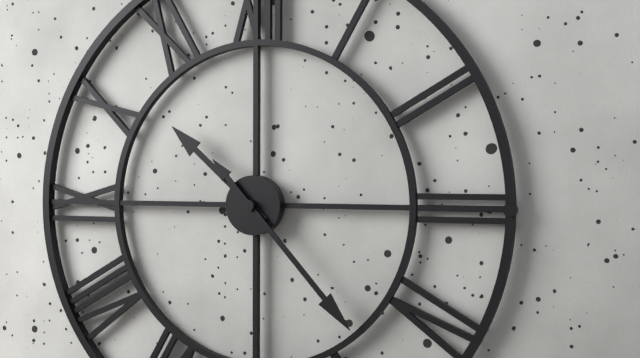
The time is 10:23
